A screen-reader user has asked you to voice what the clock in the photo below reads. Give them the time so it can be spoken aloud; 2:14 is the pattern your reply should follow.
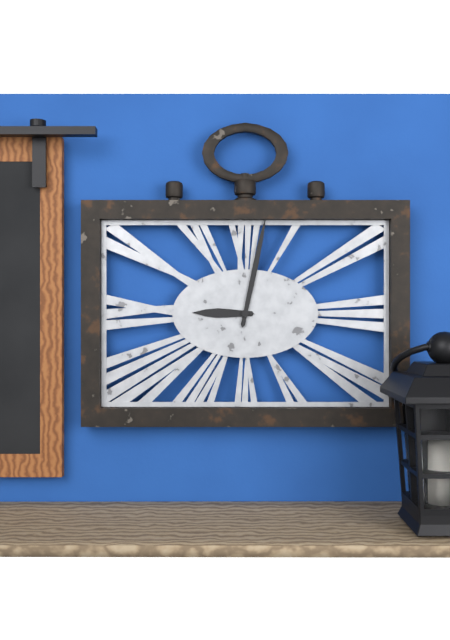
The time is 9:02
